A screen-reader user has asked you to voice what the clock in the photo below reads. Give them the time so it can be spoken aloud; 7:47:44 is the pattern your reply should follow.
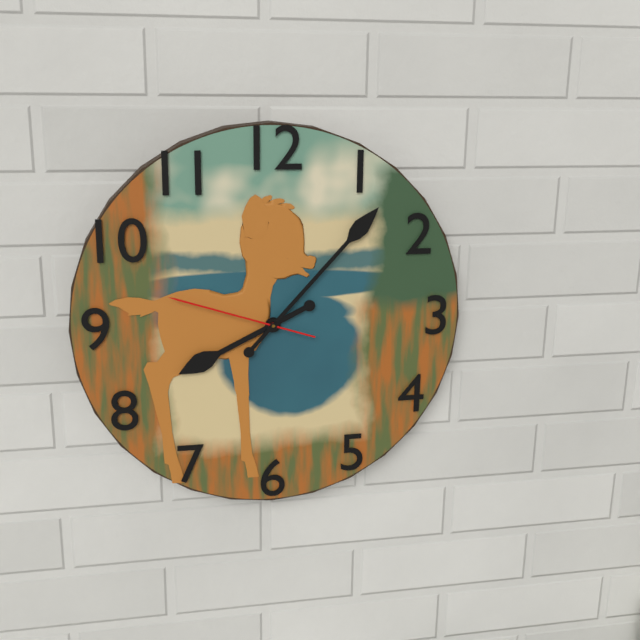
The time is 8:07:48
